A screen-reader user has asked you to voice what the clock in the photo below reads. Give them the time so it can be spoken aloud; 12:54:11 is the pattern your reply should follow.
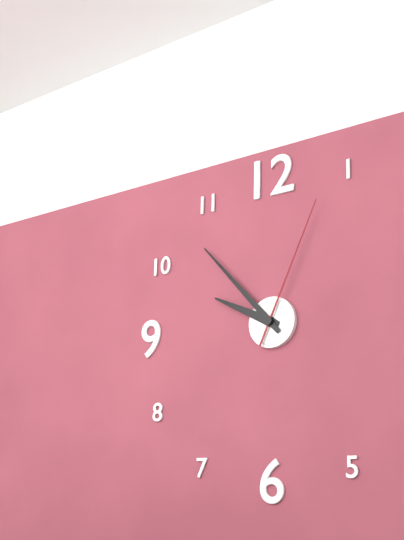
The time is 9:53:04
